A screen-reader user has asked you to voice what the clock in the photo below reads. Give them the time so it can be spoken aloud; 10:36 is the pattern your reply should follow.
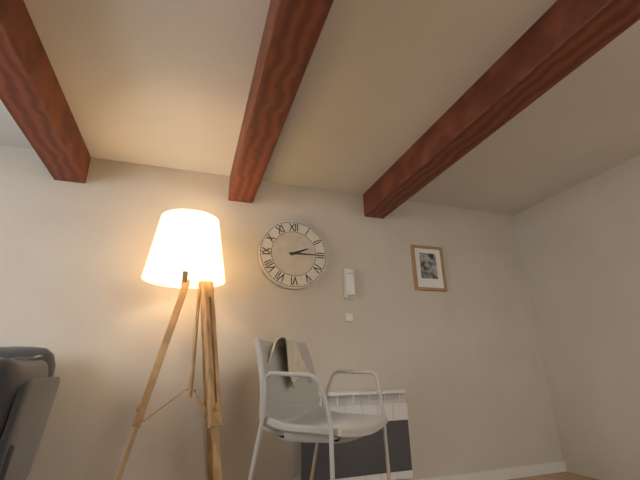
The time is 2:15
